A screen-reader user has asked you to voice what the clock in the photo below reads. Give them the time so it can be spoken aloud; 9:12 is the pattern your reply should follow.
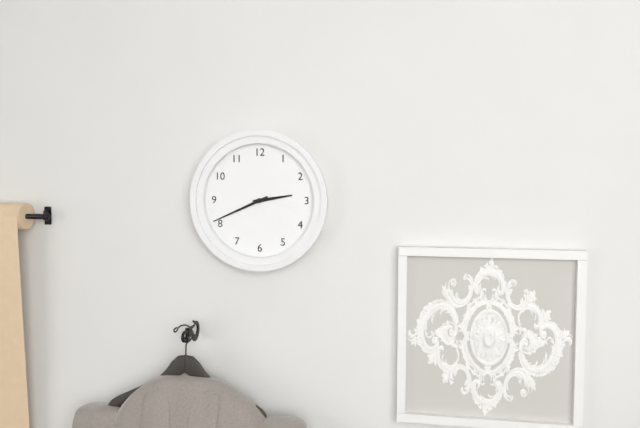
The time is 2:41
